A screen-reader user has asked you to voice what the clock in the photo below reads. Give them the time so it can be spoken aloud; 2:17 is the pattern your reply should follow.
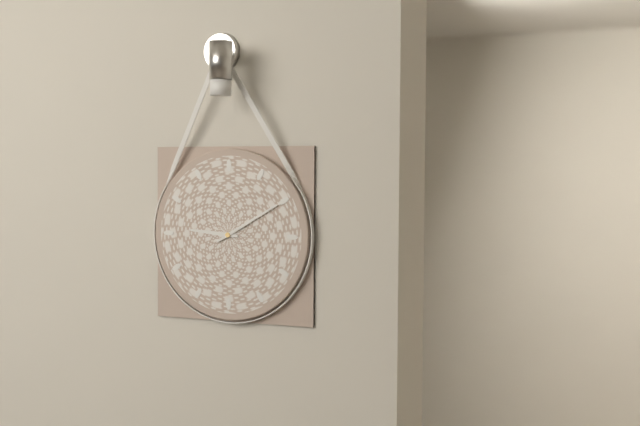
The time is 9:10
